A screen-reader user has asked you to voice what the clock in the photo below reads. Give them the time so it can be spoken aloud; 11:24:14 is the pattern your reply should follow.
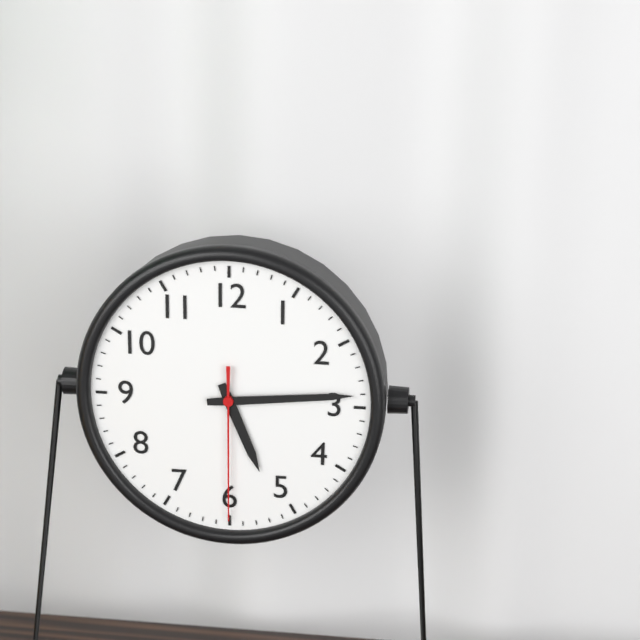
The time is 5:14:30
